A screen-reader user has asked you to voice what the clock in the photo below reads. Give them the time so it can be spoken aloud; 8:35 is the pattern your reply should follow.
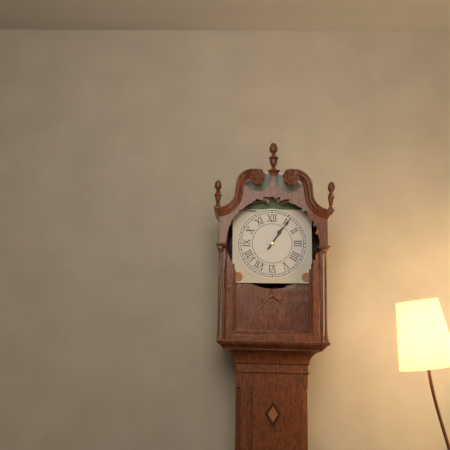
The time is 1:06
